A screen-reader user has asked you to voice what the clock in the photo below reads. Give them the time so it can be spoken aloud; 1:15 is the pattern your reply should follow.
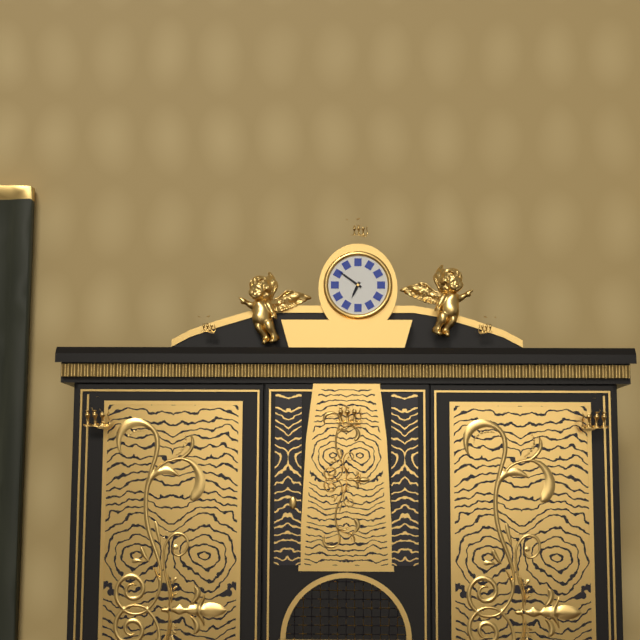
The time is 6:51
